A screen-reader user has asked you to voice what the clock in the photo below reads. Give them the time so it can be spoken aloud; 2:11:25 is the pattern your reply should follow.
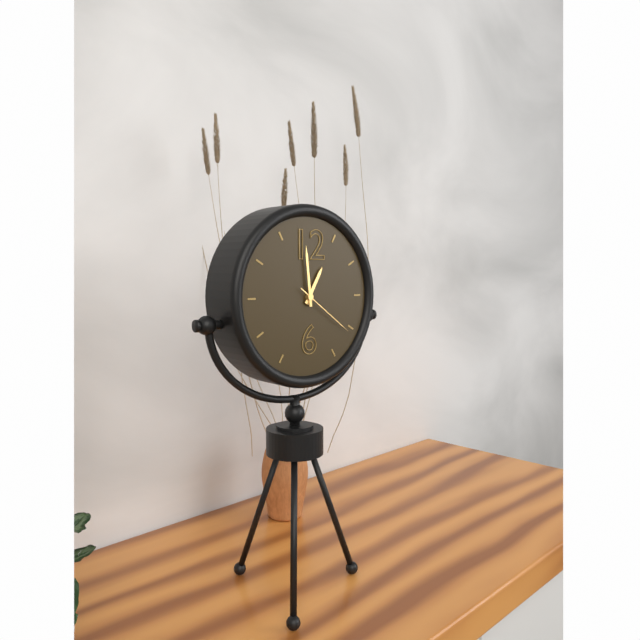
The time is 12:59:21
